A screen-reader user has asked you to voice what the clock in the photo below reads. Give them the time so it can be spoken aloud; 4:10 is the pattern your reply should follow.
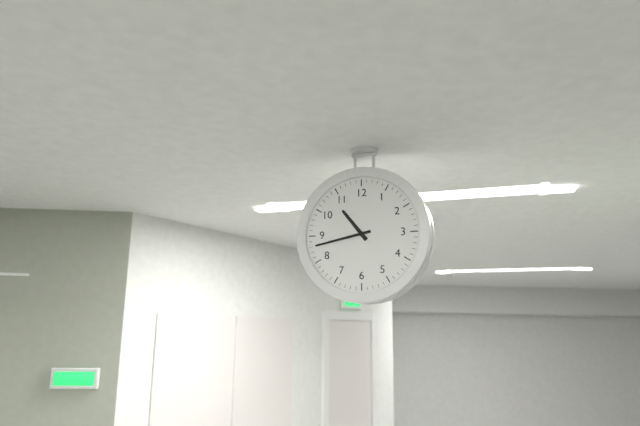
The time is 10:43
